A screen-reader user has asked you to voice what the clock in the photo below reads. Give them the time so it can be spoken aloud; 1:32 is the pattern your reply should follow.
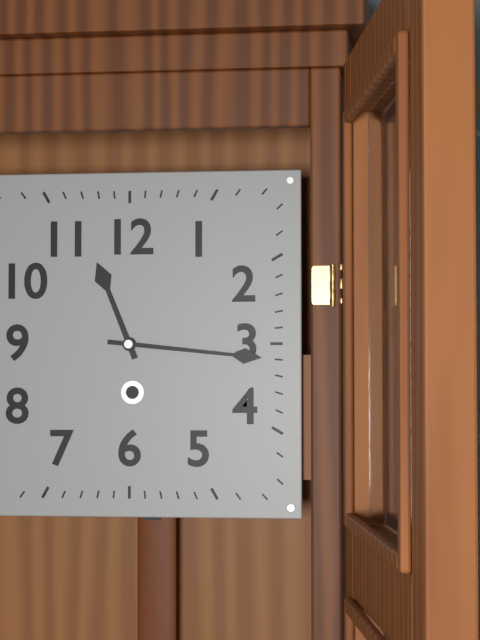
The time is 11:16
